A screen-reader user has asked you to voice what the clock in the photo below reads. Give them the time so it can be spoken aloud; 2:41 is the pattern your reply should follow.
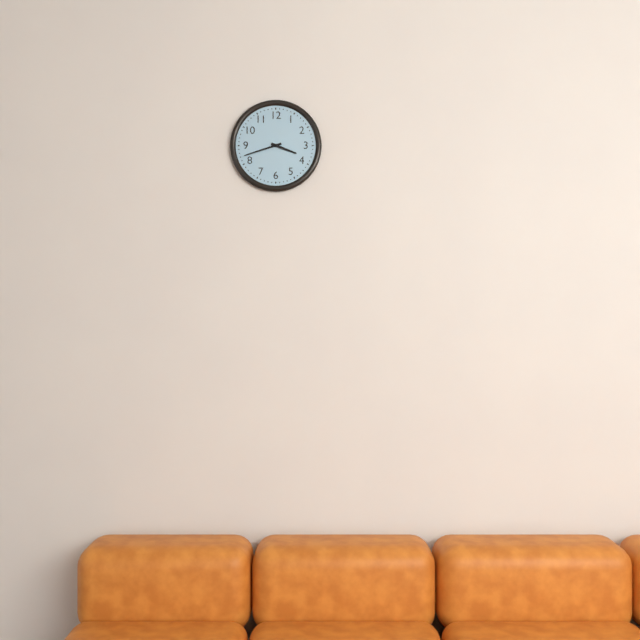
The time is 3:42
